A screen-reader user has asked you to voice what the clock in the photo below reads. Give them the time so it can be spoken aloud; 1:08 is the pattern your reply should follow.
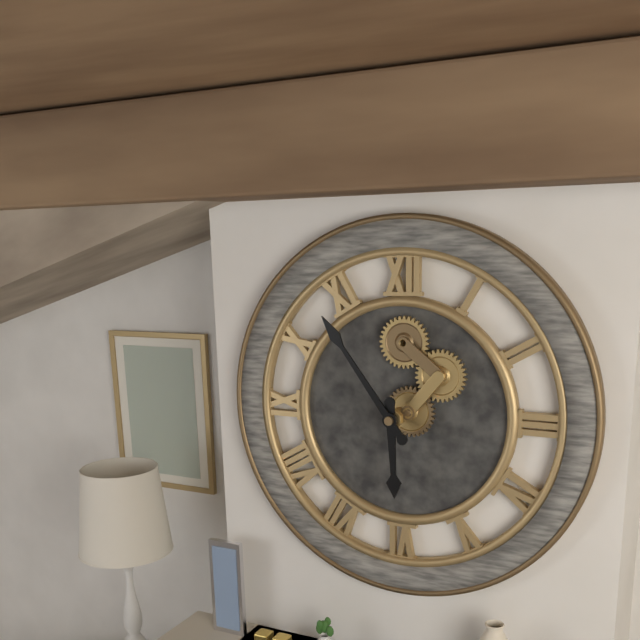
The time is 5:54
